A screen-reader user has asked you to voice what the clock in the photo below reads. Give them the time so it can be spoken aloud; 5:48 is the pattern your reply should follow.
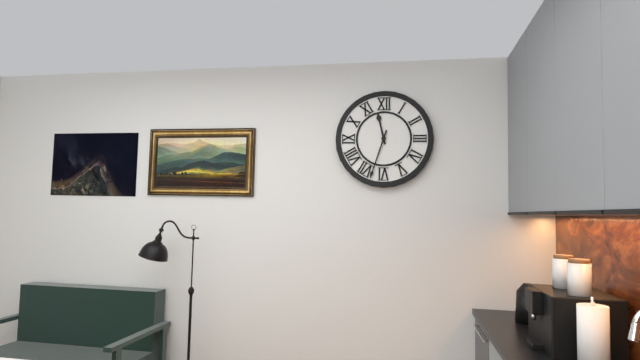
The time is 11:33
